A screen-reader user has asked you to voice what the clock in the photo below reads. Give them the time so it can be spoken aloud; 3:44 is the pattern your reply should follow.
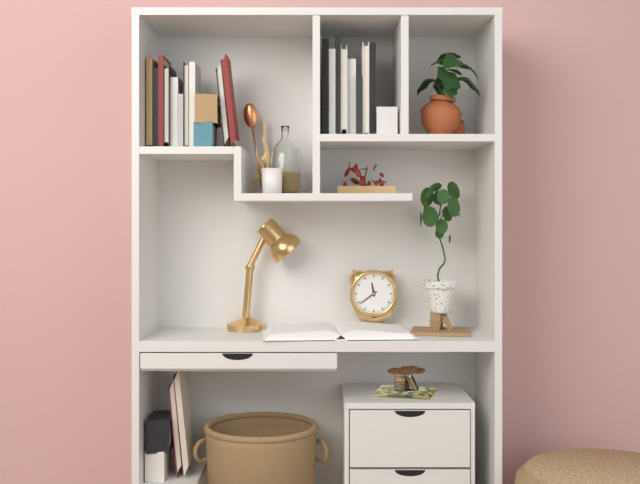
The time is 11:39
